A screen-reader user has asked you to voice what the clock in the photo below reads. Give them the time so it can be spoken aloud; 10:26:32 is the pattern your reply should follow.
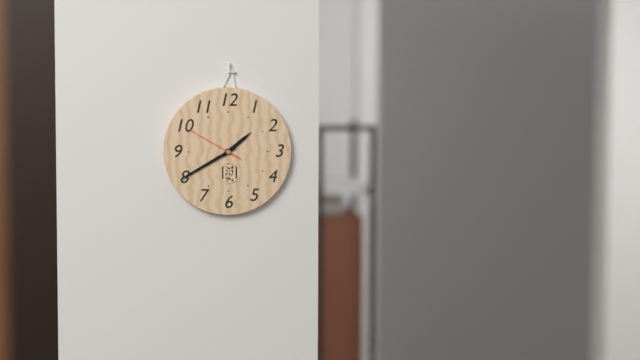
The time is 1:40:50
